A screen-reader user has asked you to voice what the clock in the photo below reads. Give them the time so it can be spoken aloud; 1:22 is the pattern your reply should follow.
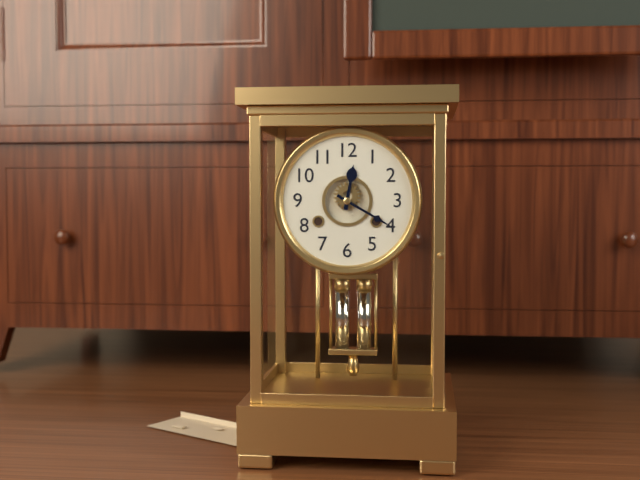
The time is 12:20
